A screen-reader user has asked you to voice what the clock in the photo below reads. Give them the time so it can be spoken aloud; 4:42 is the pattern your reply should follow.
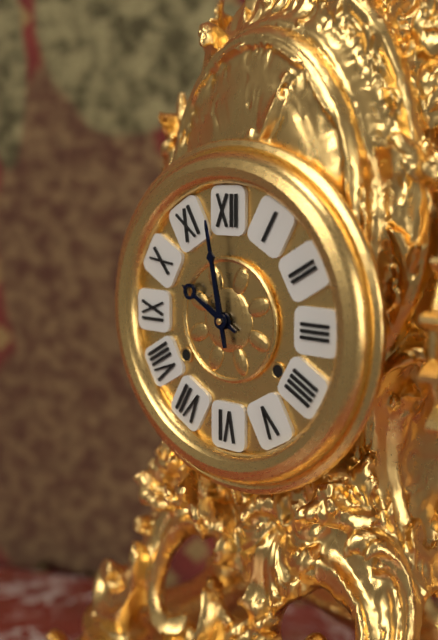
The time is 9:58
